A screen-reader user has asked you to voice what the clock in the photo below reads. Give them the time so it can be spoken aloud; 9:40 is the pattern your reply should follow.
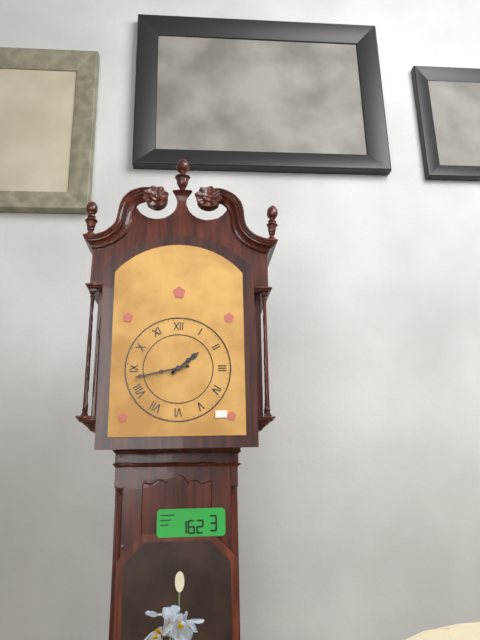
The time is 1:43
